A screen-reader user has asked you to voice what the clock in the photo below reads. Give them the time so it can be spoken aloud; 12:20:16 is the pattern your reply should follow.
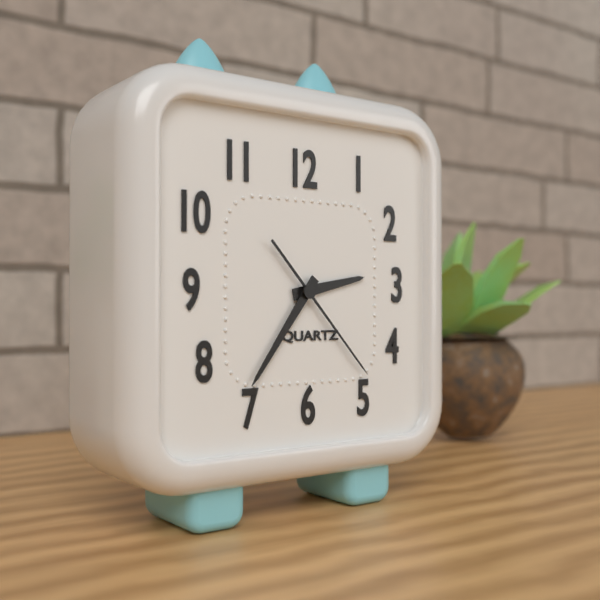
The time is 2:36:23
